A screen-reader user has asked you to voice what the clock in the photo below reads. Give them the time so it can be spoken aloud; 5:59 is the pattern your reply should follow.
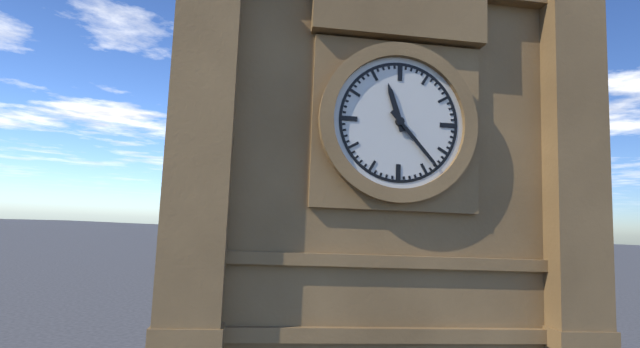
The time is 11:23
